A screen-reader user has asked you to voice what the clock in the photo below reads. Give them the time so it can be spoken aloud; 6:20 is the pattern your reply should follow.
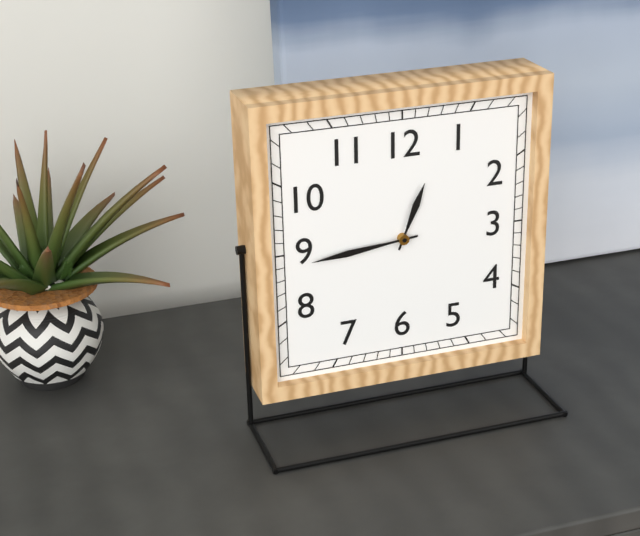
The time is 12:44
